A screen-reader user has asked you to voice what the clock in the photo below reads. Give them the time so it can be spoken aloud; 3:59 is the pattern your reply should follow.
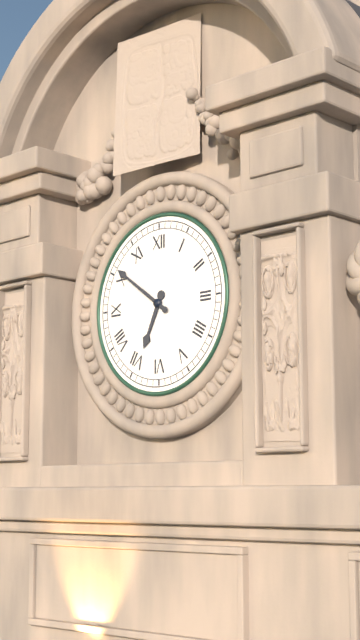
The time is 6:51
